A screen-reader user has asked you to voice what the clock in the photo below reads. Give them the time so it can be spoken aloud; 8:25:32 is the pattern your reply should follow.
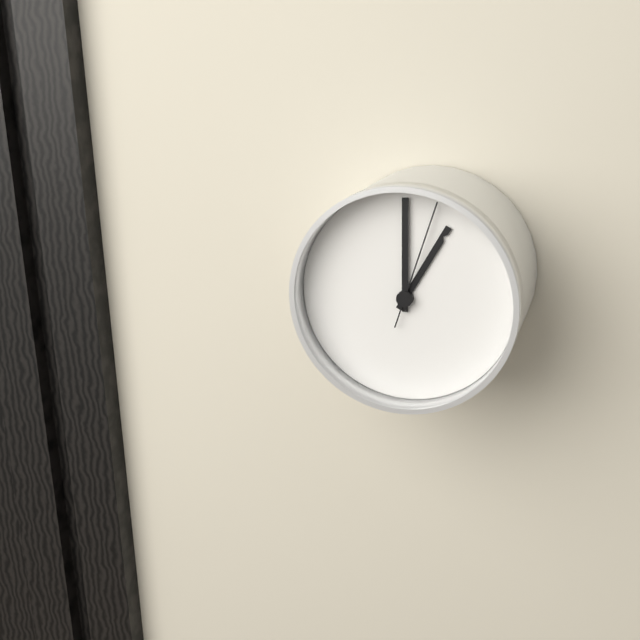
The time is 1:00:03
